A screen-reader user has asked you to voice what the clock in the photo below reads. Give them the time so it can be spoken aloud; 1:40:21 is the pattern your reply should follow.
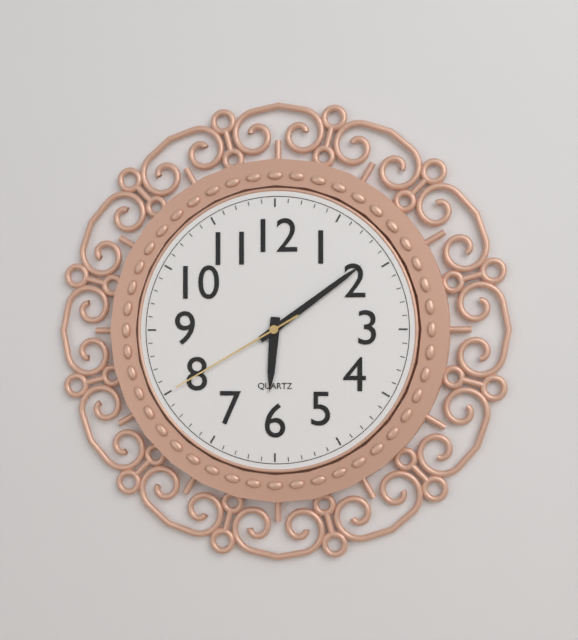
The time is 6:09:40
